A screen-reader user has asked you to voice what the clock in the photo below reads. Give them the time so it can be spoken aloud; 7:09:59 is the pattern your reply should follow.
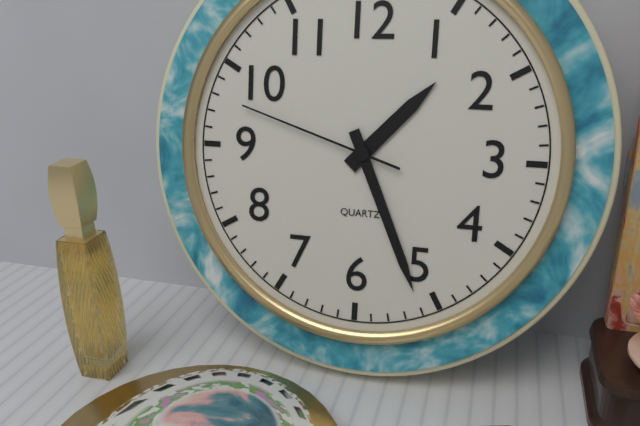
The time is 1:26:48
